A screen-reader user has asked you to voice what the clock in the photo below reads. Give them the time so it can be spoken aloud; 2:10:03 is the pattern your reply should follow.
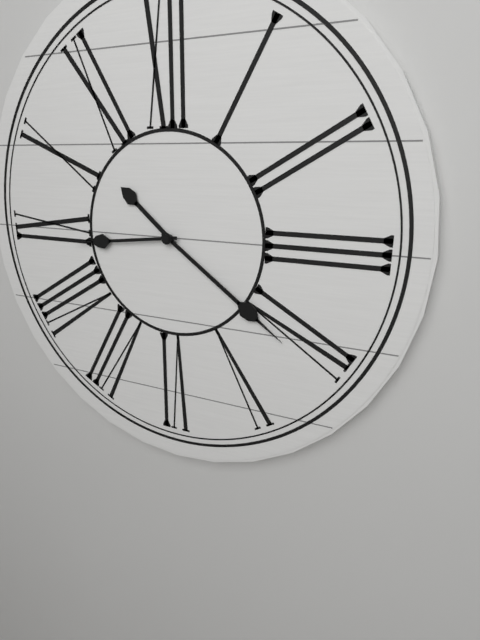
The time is 10:21:44
